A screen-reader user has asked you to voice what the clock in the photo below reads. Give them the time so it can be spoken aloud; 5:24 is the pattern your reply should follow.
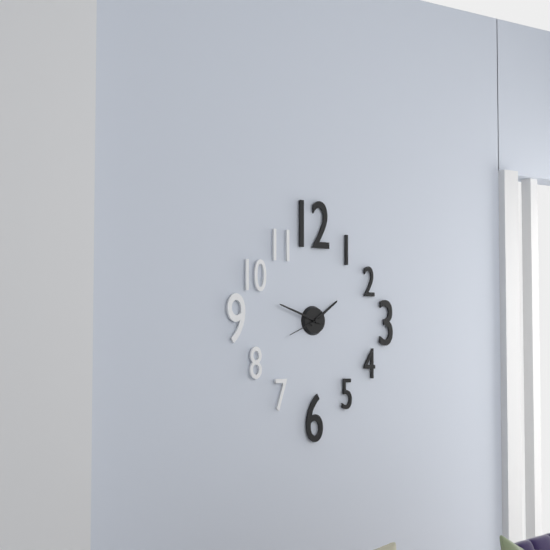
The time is 1:48
